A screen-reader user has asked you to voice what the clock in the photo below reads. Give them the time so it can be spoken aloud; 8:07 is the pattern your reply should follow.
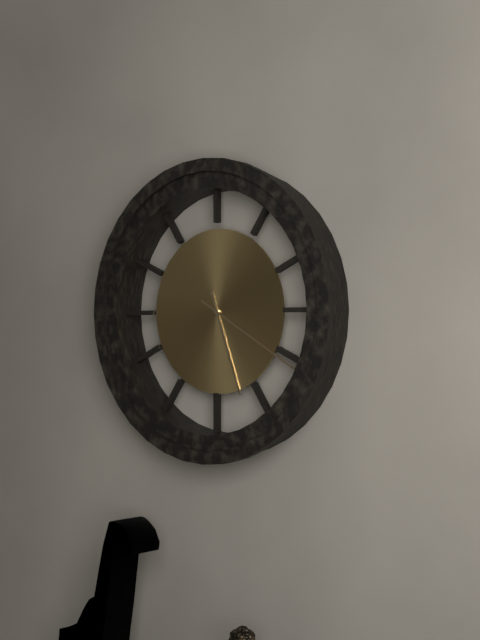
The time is 5:20
